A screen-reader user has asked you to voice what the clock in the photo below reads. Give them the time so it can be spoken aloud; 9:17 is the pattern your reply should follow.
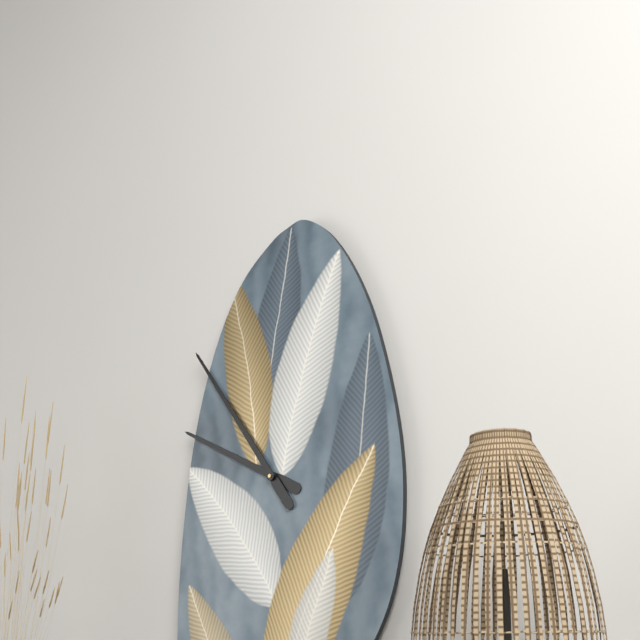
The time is 9:54
